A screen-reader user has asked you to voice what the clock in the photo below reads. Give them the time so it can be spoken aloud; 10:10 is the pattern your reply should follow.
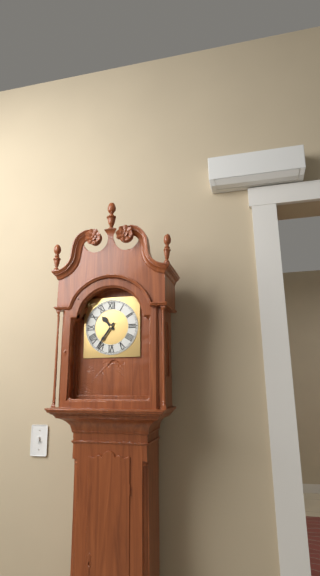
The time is 10:36
